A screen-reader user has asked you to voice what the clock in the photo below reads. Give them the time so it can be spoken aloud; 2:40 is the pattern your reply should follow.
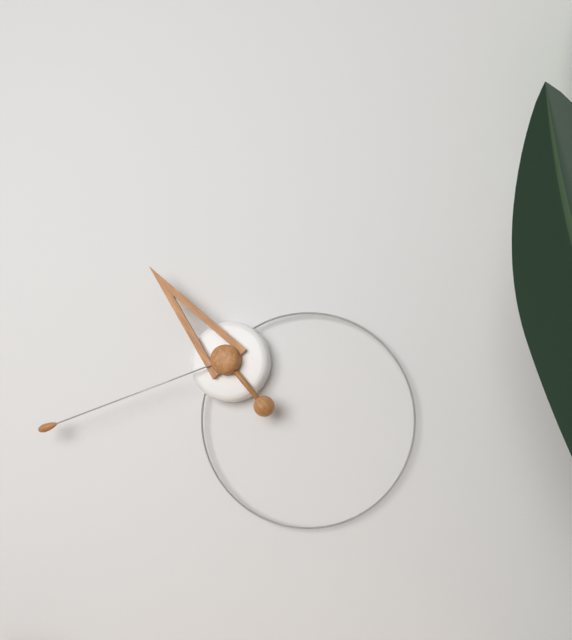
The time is 10:42
